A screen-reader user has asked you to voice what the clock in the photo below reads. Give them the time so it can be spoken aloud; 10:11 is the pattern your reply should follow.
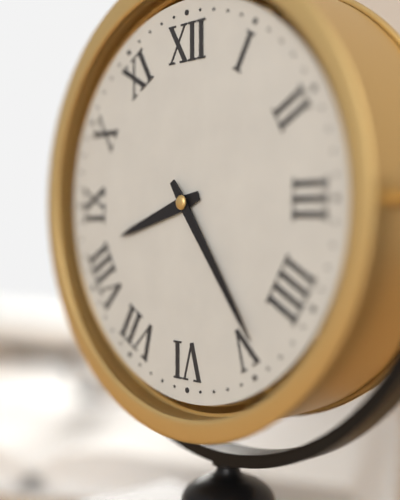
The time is 8:24
